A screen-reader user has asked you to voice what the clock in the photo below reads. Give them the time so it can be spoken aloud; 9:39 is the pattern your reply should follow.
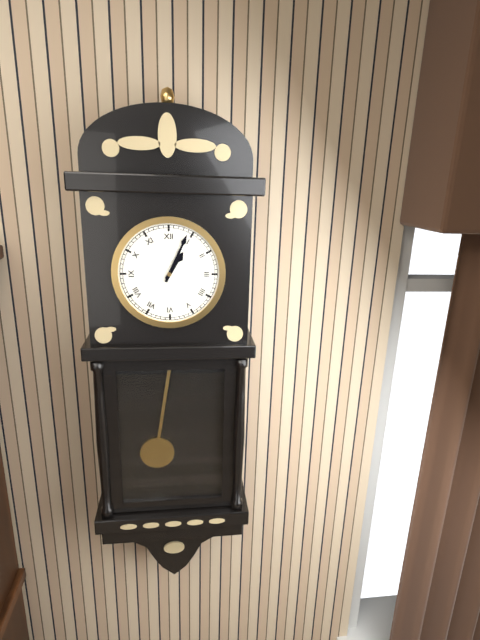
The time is 1:04
